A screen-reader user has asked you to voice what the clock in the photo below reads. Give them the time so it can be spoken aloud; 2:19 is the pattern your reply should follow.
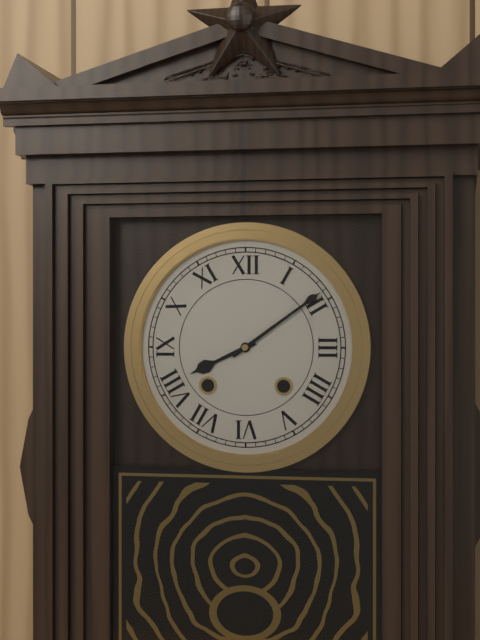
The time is 8:09
